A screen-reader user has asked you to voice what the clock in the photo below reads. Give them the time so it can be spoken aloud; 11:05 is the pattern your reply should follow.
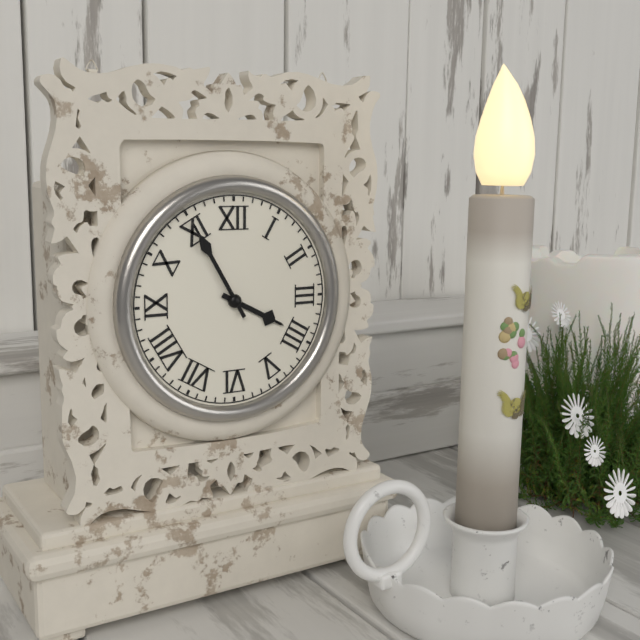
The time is 3:55
